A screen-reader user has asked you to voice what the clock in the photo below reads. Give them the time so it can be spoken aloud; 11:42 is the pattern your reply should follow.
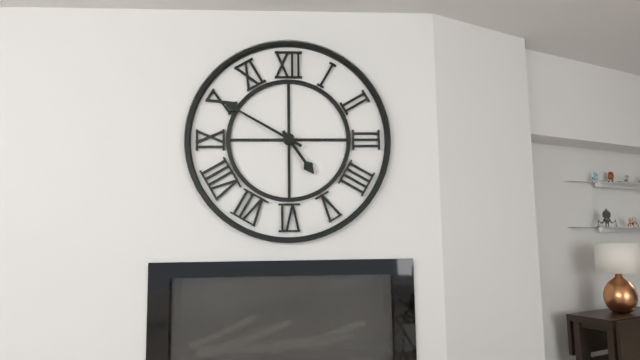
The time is 4:50
